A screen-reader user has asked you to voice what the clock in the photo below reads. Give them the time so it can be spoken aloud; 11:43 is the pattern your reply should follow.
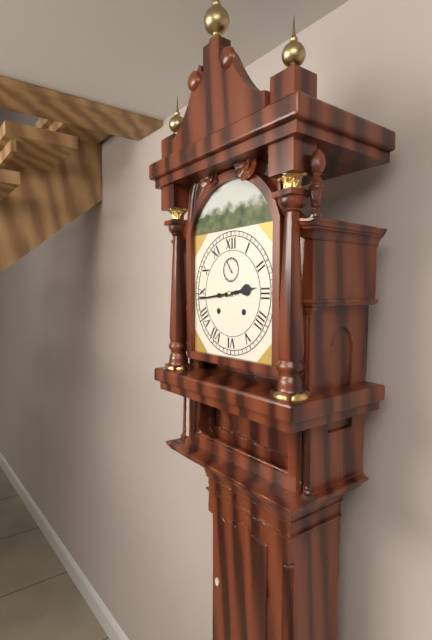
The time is 2:44
